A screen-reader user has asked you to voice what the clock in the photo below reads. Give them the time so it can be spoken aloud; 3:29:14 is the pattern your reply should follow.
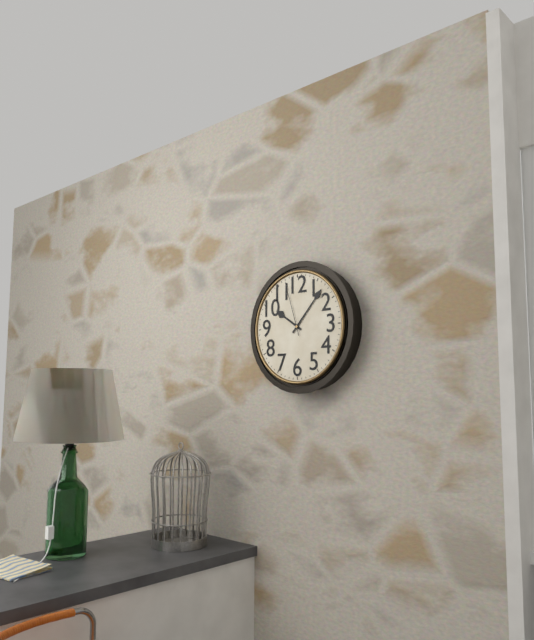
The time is 10:07:57
